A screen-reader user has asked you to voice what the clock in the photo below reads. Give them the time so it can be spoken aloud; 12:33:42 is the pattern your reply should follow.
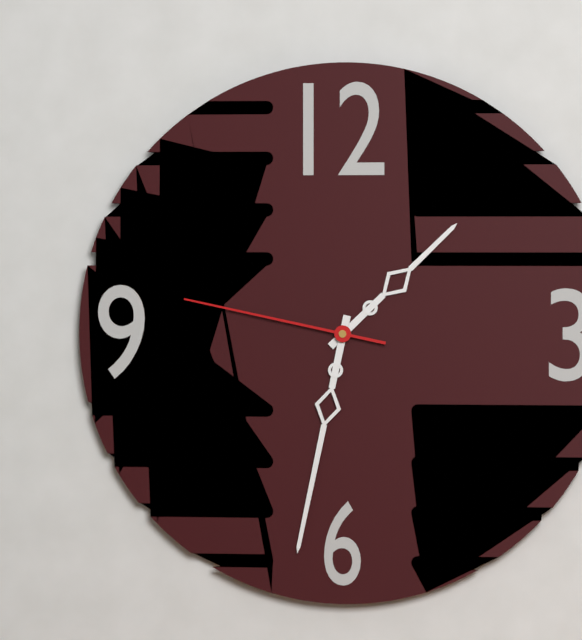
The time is 1:32:47
